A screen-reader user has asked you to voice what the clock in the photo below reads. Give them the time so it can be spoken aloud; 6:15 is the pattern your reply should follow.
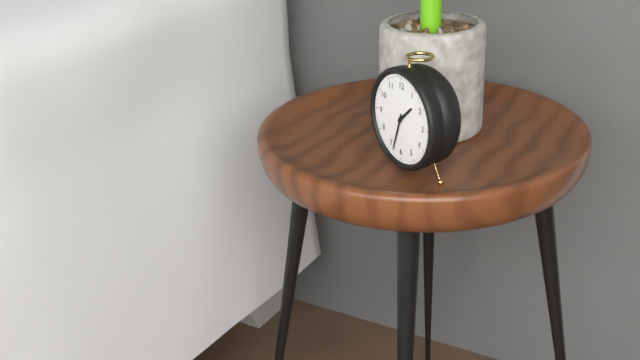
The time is 1:33
